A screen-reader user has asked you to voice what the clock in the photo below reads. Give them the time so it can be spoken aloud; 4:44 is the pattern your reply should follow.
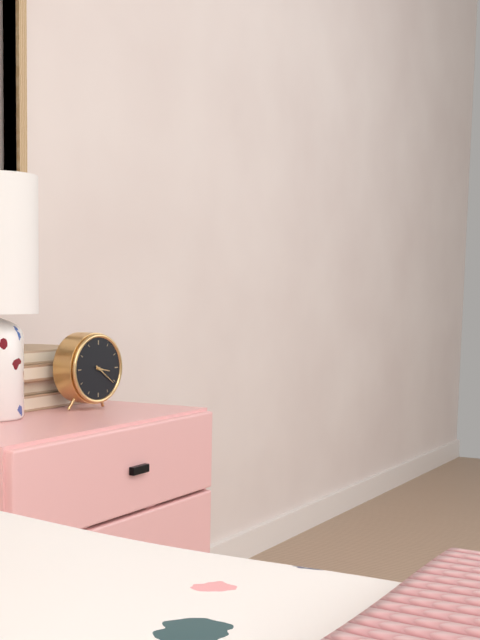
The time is 3:21
